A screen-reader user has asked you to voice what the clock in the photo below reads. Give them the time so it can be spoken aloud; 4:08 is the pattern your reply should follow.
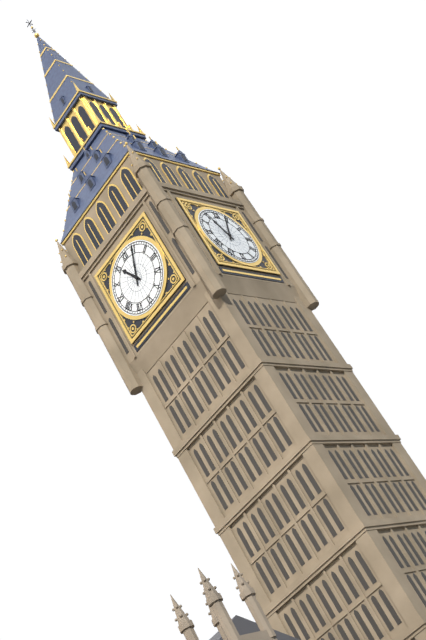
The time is 11:04
